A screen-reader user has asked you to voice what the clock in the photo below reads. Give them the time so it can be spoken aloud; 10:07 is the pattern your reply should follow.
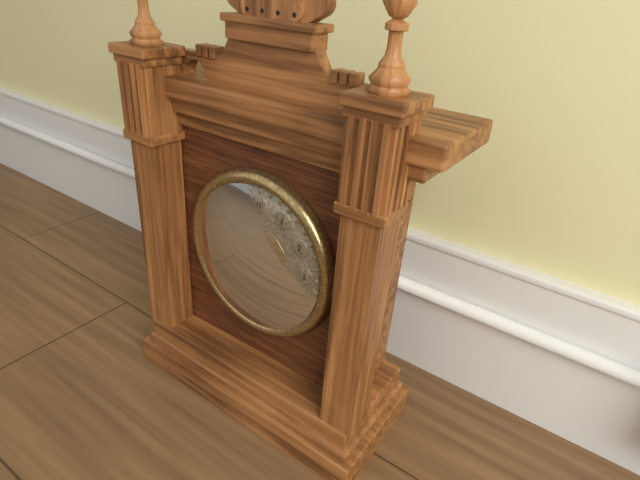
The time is 7:38
